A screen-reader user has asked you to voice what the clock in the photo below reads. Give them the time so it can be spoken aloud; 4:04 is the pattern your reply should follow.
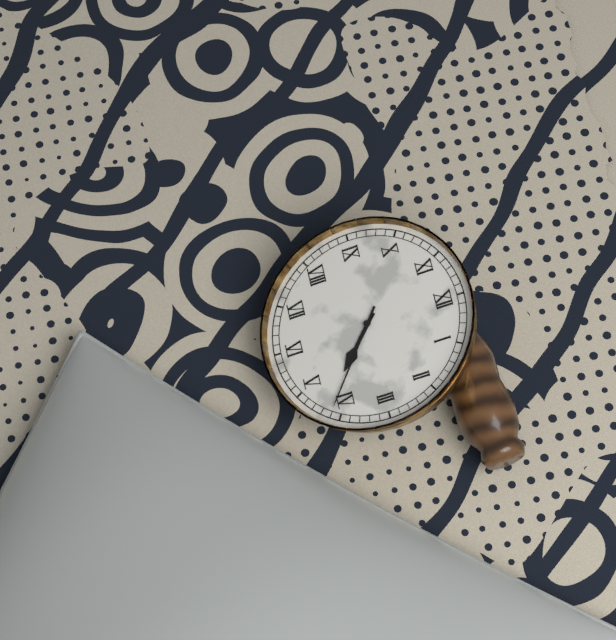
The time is 4:21
